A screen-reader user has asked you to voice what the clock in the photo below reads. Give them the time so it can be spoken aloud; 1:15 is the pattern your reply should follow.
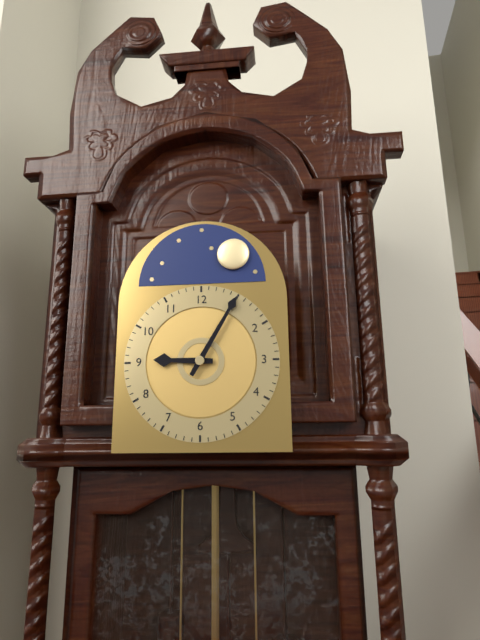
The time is 9:05
